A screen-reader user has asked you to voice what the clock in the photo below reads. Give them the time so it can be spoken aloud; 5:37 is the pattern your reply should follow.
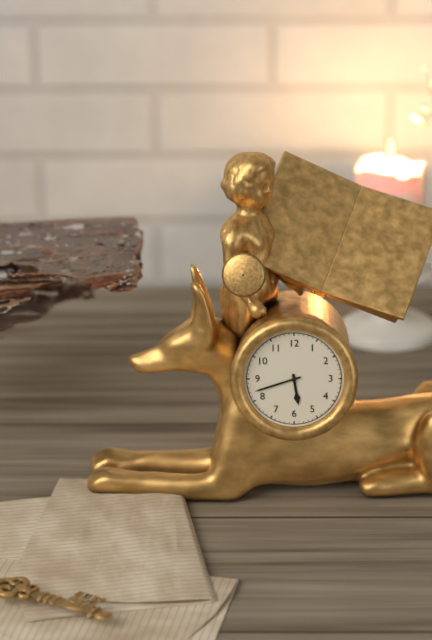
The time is 5:42
